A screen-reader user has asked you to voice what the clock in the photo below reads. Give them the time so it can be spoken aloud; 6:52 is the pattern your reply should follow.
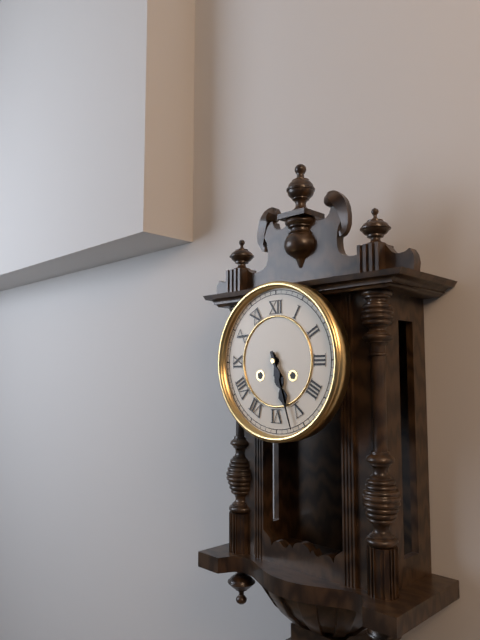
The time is 5:27
